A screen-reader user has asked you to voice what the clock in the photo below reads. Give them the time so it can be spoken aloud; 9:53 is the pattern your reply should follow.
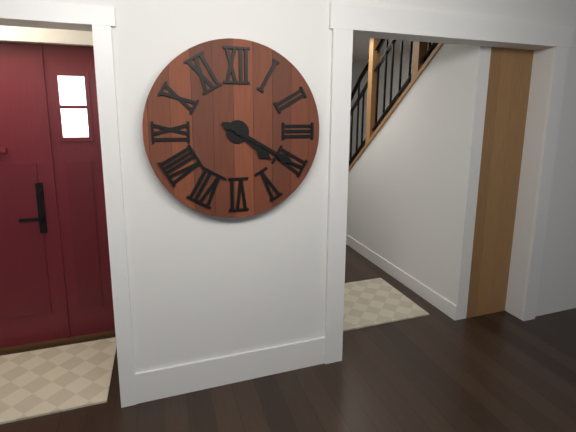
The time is 4:20
